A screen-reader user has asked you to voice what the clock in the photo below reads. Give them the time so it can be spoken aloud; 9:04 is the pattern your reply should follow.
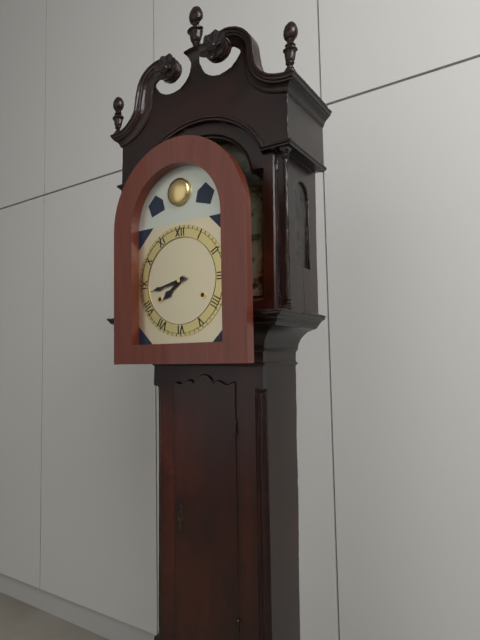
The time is 7:43
